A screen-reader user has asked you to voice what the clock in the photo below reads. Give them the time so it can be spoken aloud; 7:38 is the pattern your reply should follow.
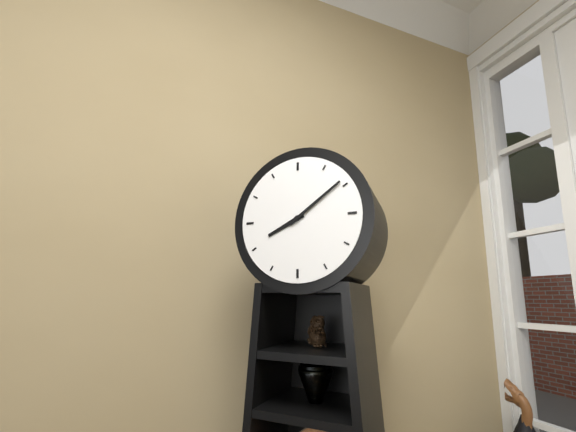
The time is 8:09
